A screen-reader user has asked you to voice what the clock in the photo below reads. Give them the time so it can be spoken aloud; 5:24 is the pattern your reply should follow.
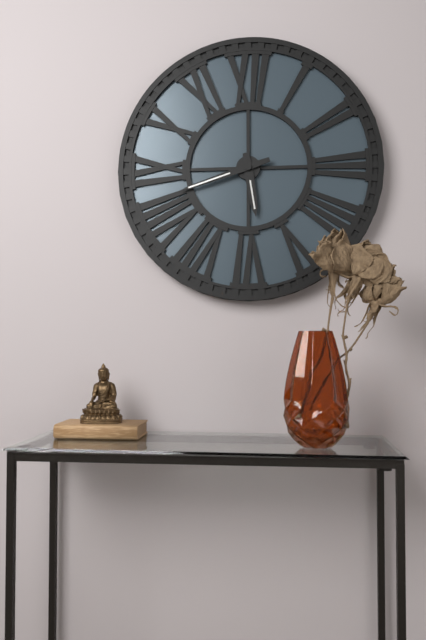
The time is 5:42
